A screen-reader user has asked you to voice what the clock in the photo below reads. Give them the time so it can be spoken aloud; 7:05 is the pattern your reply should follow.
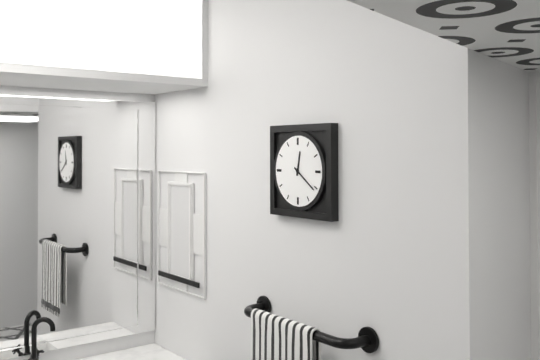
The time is 12:21
